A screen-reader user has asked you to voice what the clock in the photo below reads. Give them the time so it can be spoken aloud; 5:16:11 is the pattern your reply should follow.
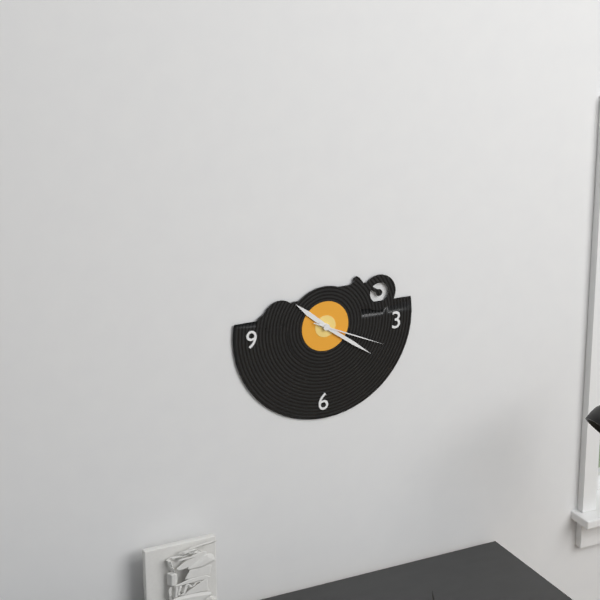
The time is 10:21:19
